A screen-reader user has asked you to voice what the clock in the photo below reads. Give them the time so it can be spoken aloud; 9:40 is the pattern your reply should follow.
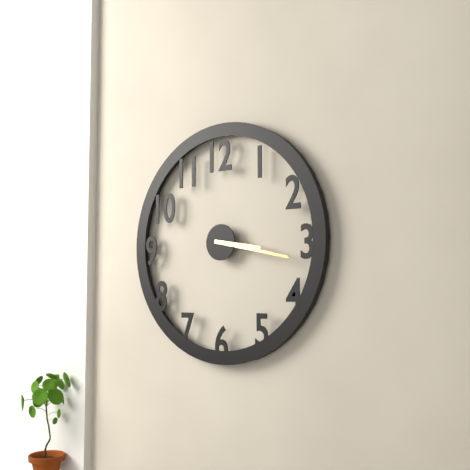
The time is 3:17
